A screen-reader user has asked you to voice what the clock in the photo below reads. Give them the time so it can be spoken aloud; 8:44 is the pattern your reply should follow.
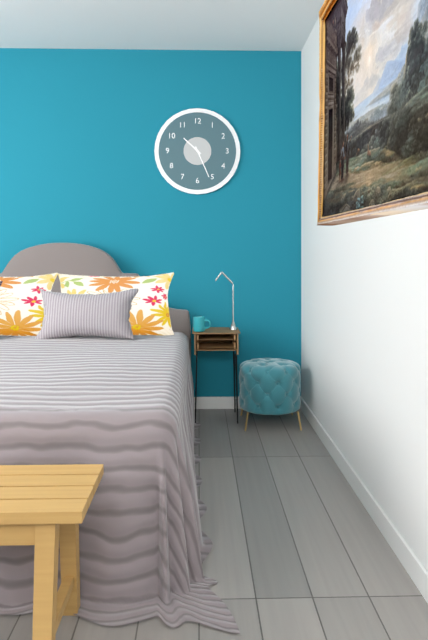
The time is 10:26
